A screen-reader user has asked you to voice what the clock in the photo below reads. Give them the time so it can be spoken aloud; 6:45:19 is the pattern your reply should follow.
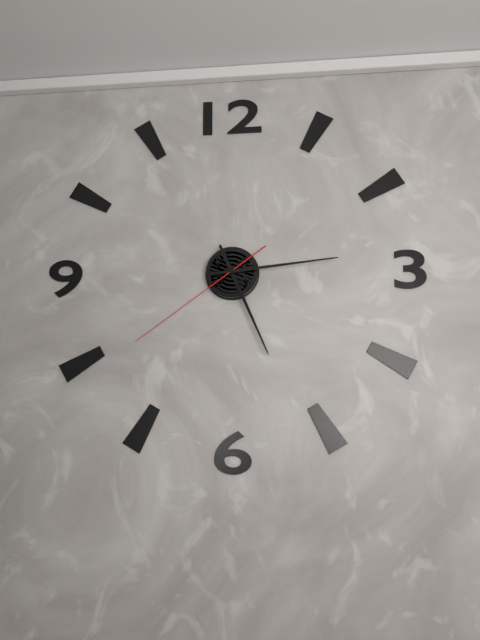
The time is 5:14:39
